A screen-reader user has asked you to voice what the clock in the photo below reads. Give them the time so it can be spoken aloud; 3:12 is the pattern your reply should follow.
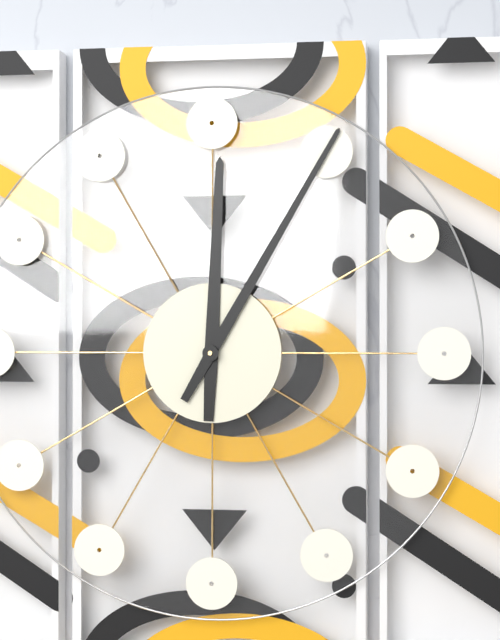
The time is 12:05
